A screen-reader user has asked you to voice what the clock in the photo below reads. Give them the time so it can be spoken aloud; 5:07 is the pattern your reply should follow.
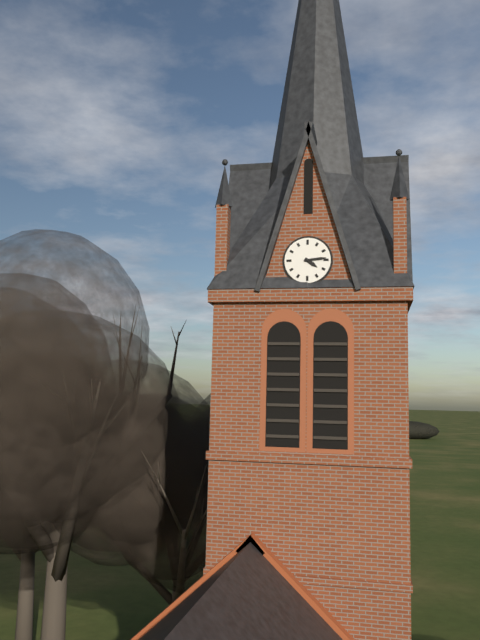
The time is 4:14
